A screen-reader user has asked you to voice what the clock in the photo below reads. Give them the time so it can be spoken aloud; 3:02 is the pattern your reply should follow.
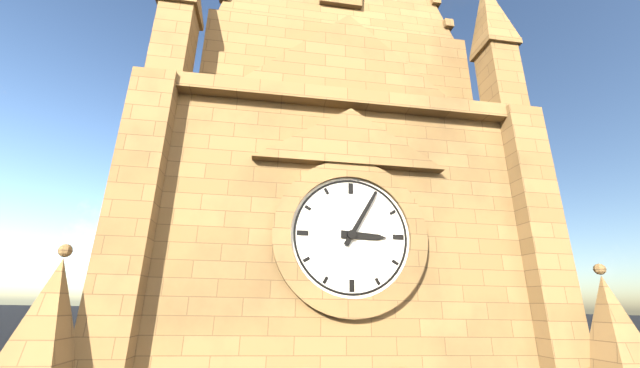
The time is 3:05
